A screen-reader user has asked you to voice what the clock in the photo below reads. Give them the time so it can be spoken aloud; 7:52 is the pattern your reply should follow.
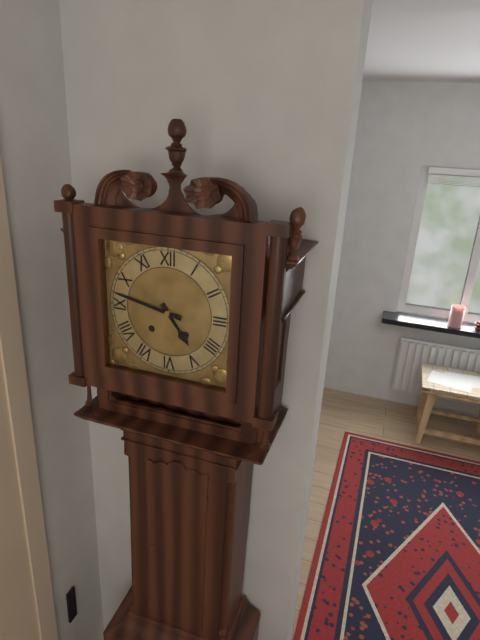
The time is 4:47
